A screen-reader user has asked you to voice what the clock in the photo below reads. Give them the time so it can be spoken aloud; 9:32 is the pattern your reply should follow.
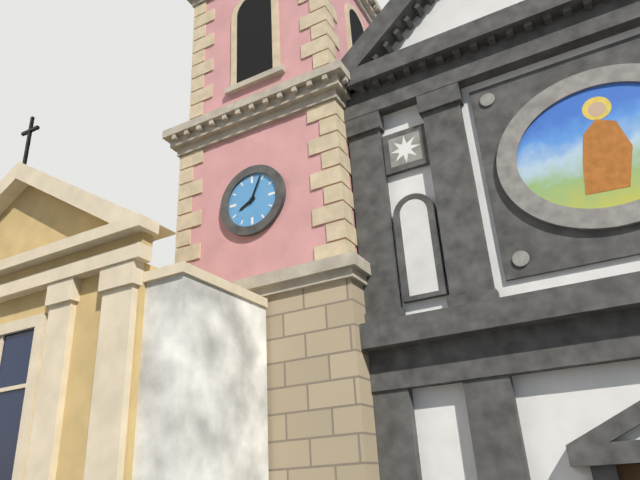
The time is 8:04
